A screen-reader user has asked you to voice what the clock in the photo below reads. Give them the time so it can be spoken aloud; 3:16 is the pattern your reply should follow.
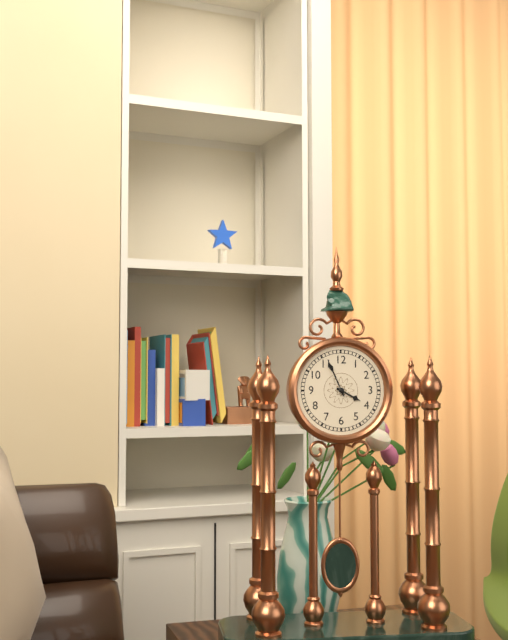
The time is 3:56
